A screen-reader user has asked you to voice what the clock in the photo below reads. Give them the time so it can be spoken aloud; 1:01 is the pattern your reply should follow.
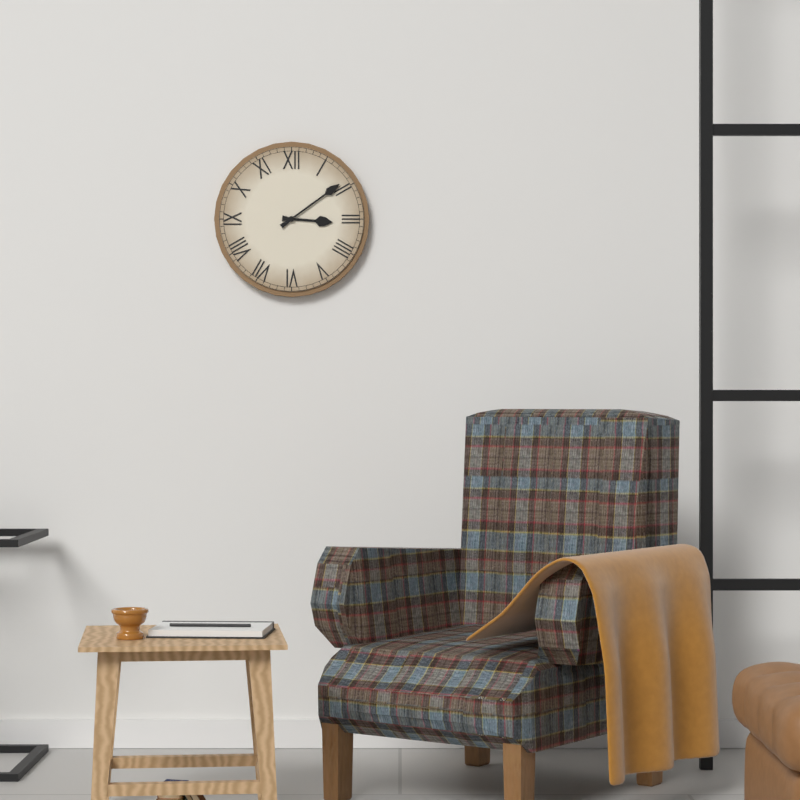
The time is 3:09
